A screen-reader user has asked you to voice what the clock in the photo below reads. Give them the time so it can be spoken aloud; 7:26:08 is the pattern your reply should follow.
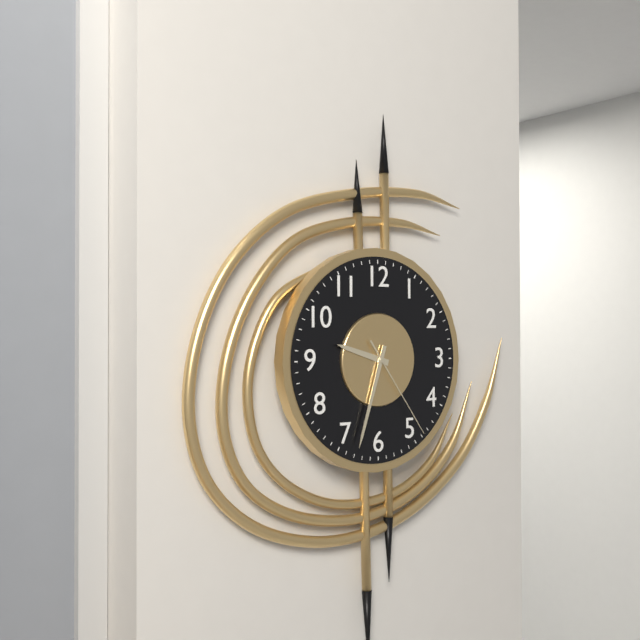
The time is 9:33:24
